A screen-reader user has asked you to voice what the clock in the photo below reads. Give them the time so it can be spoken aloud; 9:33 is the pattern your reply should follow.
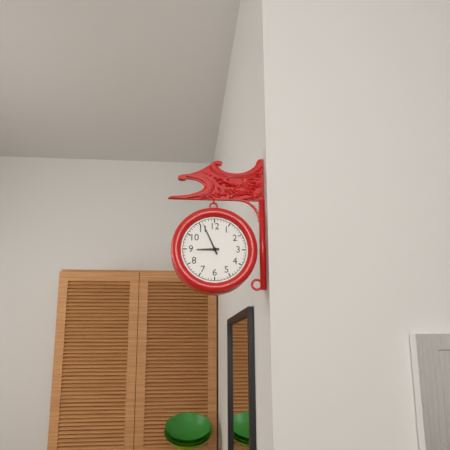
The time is 8:56
